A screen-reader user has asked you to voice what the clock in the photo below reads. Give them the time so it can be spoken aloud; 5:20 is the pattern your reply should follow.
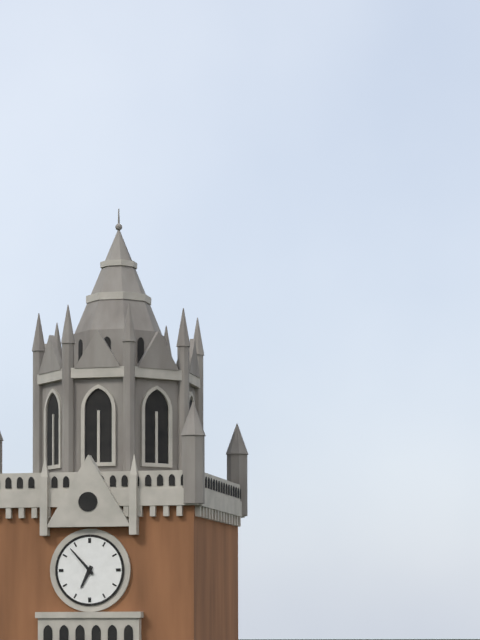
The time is 6:53
